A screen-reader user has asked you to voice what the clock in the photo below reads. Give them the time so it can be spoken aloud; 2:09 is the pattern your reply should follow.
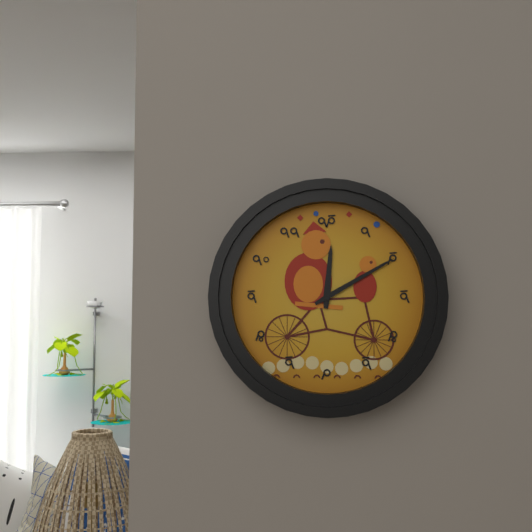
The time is 12:10
